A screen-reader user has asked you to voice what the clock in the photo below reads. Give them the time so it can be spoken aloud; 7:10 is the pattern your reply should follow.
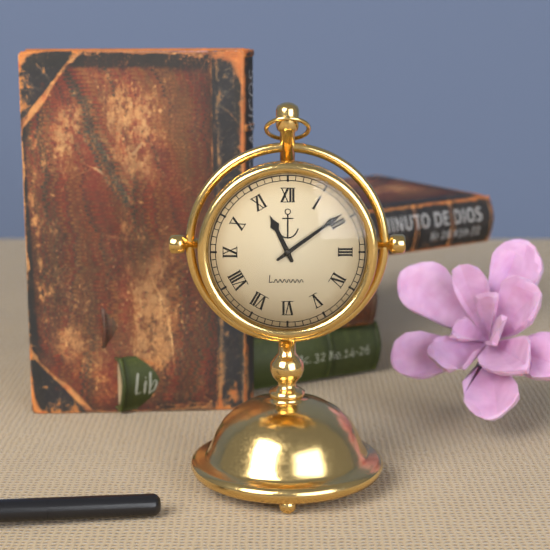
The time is 11:09
